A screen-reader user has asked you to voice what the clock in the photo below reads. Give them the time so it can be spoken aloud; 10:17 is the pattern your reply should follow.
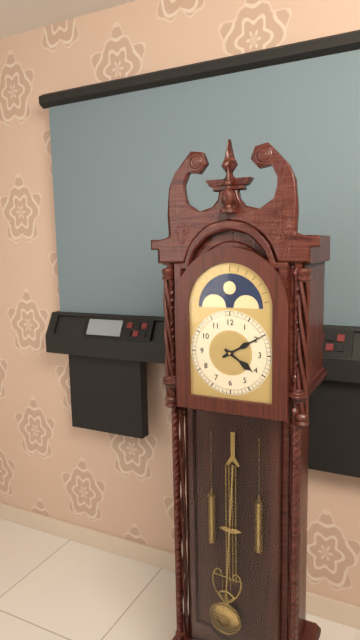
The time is 4:10
